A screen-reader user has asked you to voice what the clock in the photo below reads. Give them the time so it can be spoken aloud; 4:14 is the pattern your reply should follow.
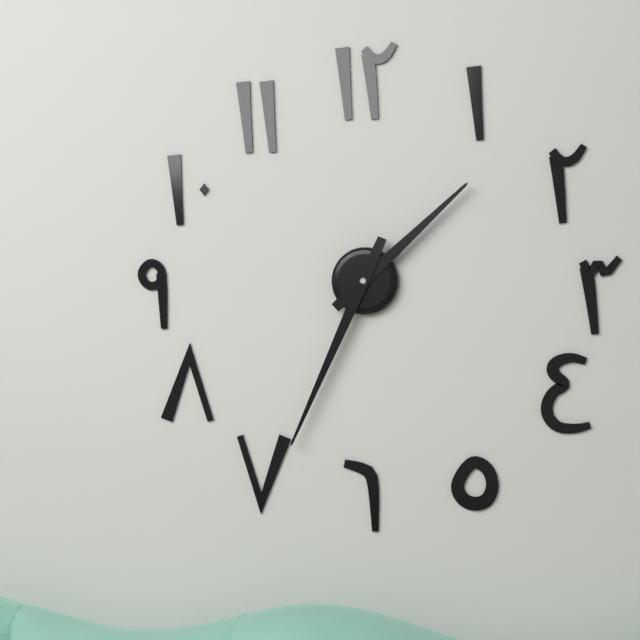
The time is 1:34
